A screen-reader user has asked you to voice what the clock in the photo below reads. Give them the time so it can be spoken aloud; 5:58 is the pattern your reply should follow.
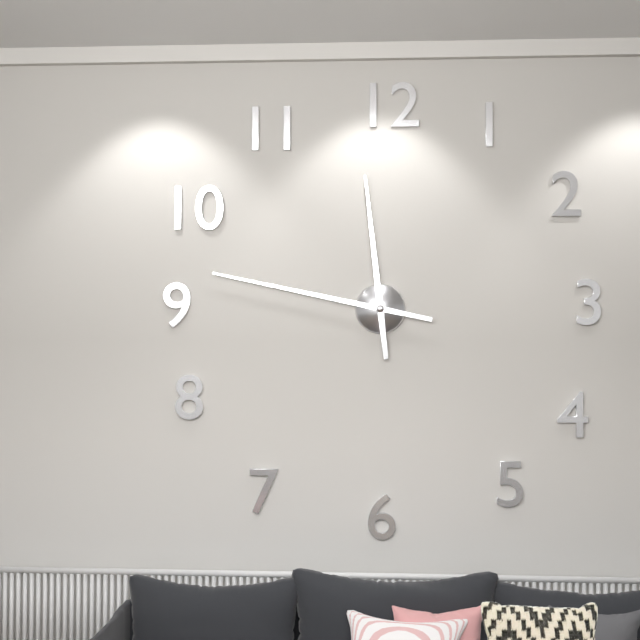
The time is 11:47
